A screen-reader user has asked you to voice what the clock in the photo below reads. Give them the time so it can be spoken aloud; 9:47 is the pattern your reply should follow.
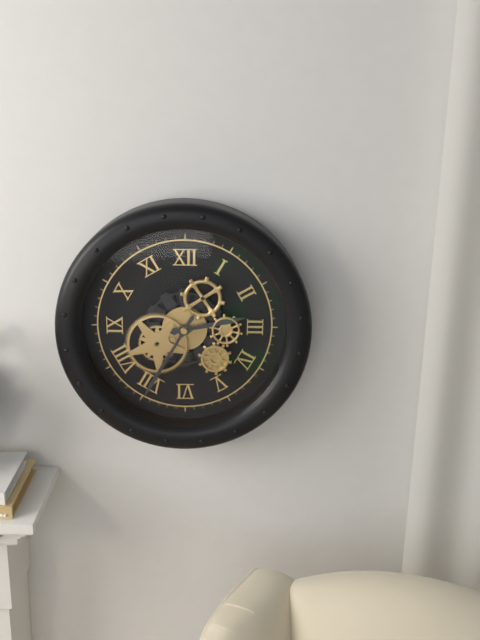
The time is 2:35
